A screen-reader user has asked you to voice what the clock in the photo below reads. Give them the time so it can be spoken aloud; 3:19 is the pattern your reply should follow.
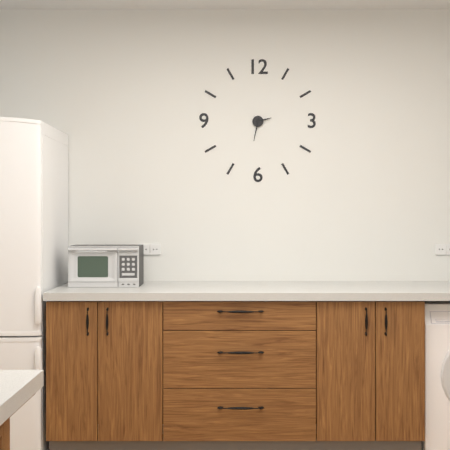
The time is 2:32
